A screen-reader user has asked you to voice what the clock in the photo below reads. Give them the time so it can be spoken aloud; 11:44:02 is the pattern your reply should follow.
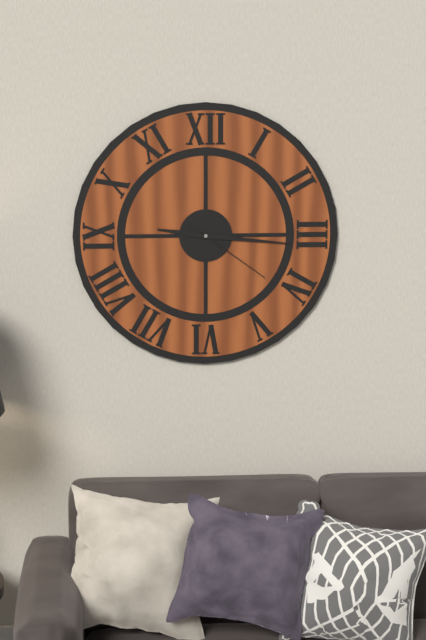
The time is 9:16:21
